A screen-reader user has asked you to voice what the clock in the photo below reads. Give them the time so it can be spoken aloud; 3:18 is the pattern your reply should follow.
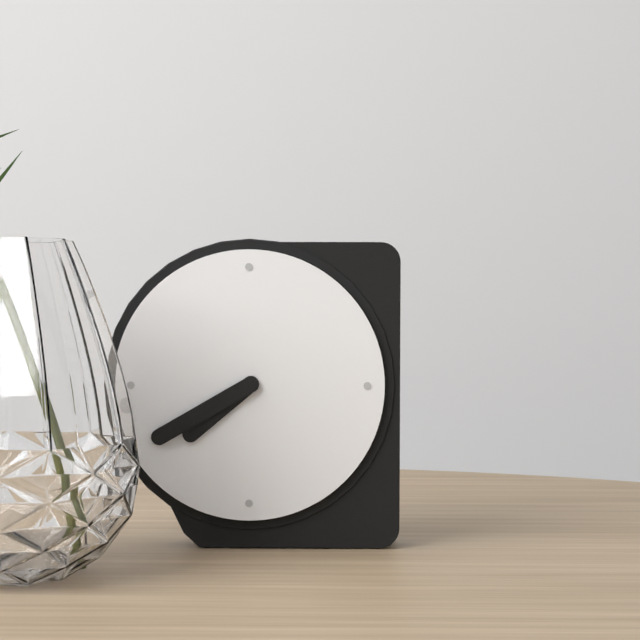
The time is 7:40
